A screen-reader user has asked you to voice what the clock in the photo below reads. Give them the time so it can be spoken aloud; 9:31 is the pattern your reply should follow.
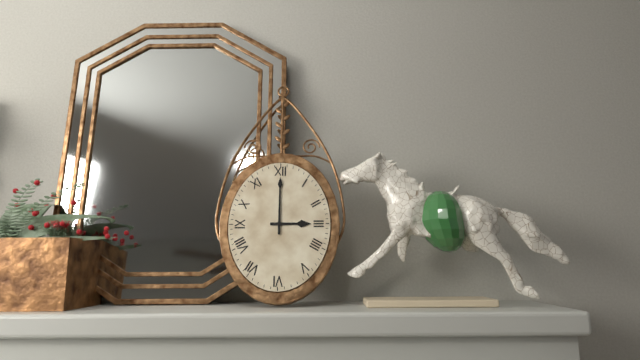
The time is 3:00
